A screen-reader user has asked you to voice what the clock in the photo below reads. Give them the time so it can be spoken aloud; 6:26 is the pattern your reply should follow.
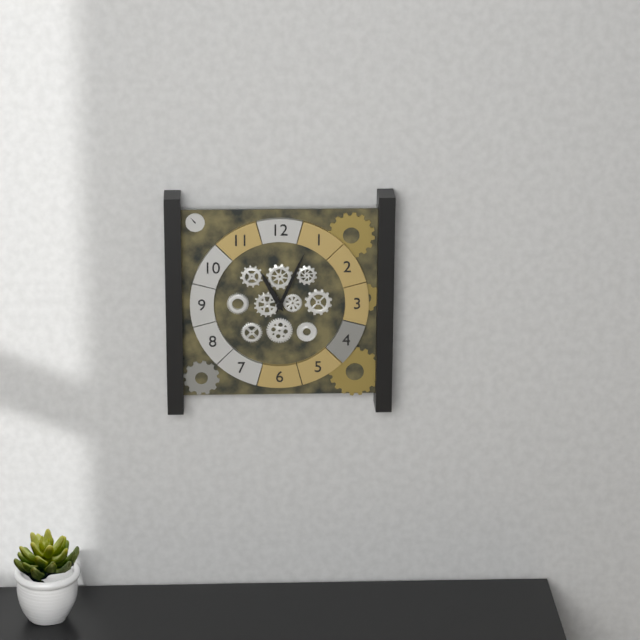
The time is 11:04
